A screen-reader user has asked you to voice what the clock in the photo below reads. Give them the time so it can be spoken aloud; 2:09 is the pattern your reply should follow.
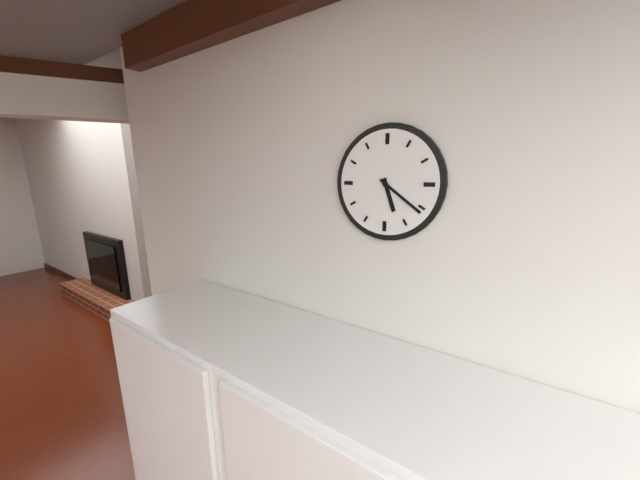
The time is 5:21
